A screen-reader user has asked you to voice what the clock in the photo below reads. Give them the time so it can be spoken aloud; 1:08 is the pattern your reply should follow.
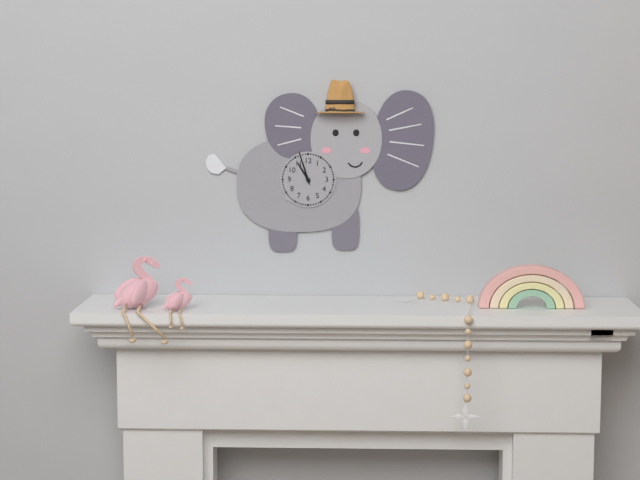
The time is 10:57
